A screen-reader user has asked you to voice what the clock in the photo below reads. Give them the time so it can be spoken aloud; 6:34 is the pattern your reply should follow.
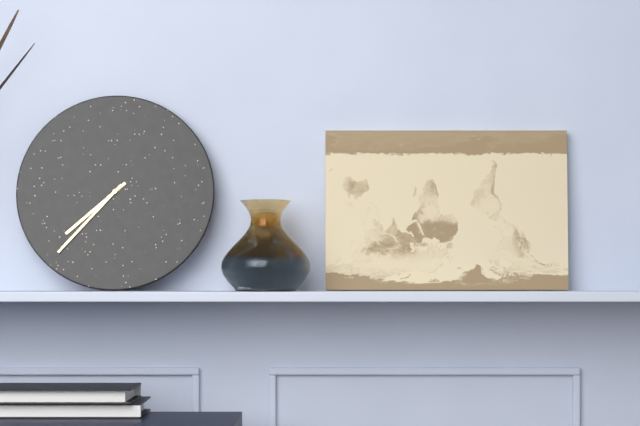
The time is 7:37
